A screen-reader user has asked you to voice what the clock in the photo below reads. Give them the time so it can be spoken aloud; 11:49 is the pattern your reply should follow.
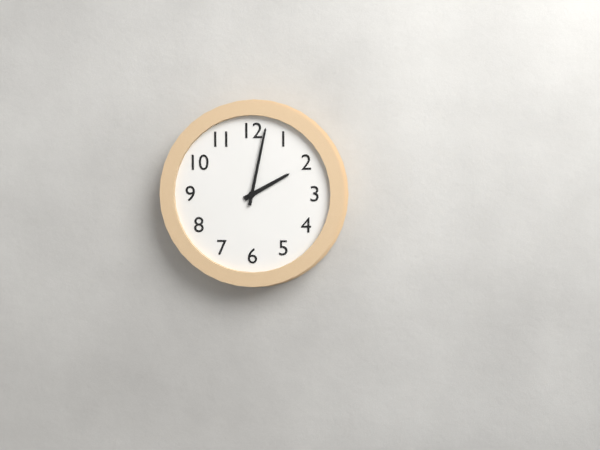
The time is 2:02
